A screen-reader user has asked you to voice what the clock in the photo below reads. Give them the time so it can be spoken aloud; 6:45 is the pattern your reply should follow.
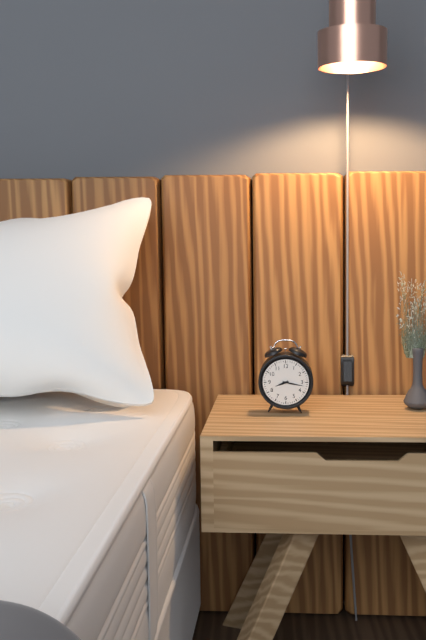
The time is 8:17
